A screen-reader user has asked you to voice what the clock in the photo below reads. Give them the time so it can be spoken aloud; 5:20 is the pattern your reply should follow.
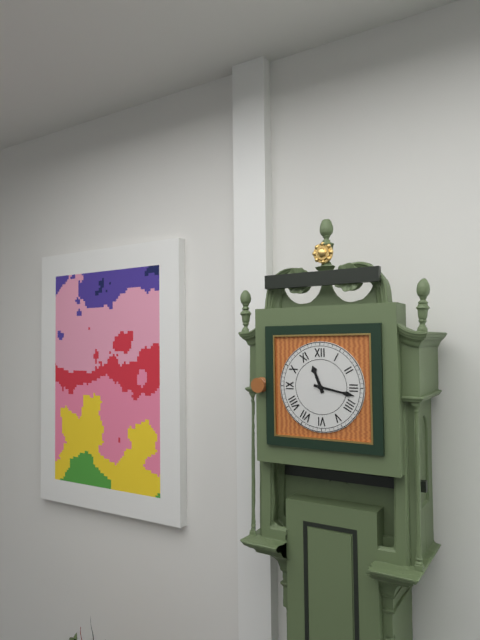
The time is 11:17
